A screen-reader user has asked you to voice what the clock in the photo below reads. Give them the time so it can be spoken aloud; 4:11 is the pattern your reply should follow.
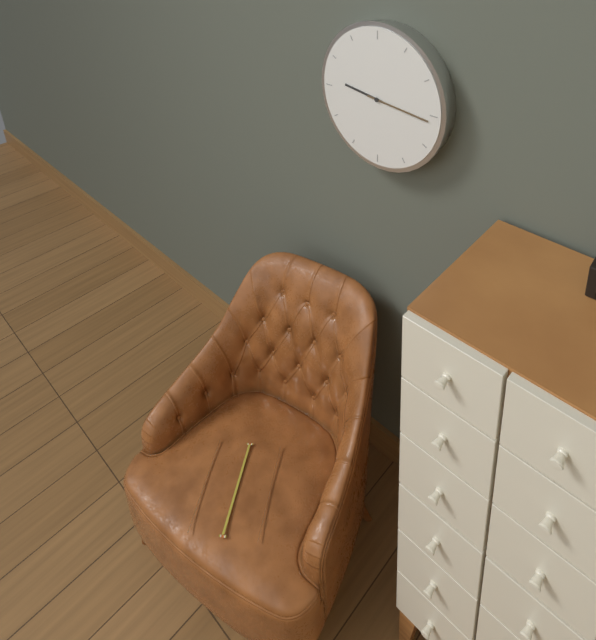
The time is 9:16
